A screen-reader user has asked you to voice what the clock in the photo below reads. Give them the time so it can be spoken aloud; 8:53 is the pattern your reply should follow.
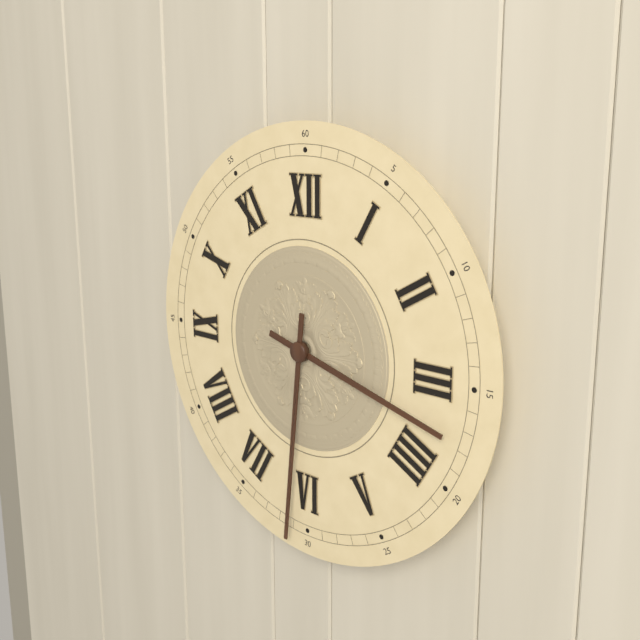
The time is 3:31
